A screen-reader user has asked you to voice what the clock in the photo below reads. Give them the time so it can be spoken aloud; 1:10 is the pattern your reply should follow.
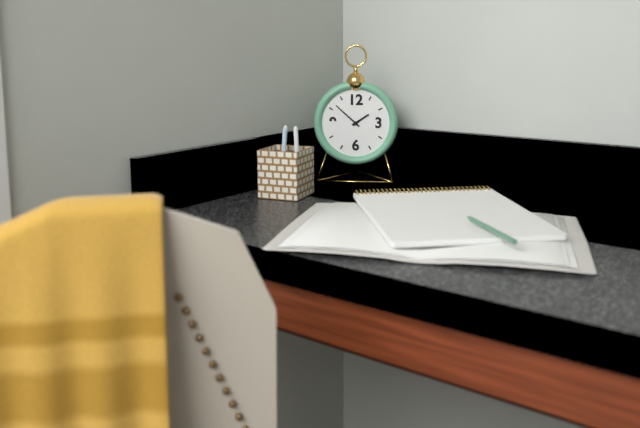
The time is 1:52
